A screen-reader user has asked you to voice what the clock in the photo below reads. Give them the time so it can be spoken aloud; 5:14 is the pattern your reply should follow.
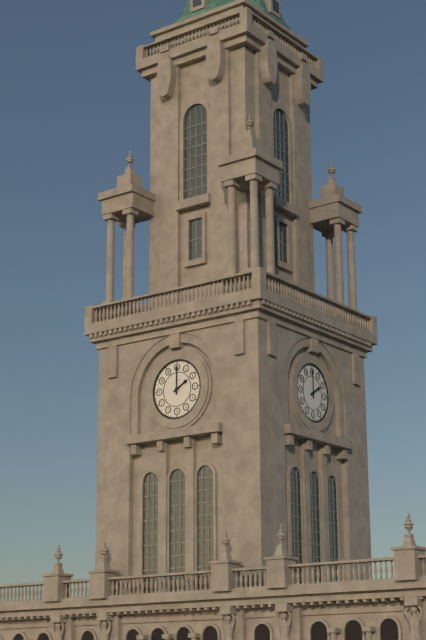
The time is 2:00
